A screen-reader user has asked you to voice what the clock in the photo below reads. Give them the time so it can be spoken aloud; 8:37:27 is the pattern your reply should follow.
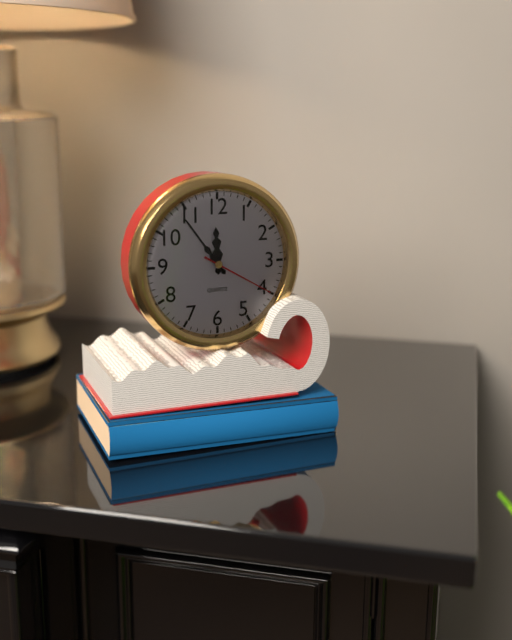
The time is 11:54:20
